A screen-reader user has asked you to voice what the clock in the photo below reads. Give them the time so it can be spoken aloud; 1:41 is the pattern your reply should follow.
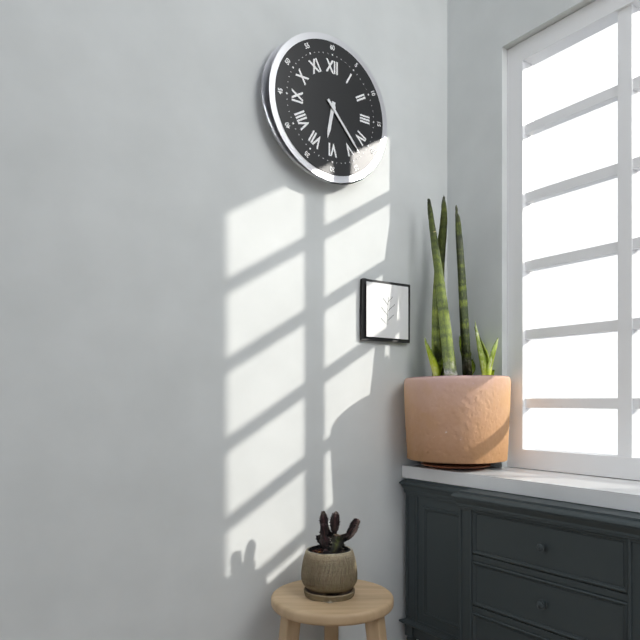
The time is 6:23
